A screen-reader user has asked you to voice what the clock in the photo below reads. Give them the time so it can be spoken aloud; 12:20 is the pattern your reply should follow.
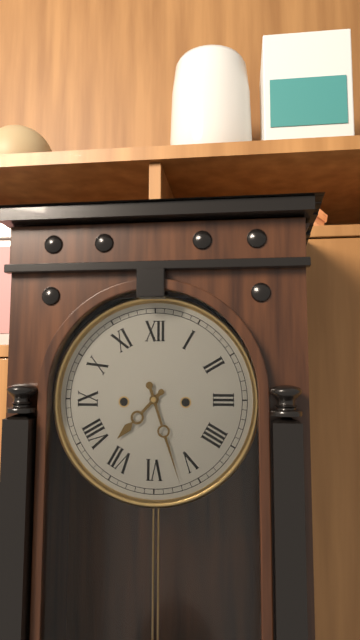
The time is 7:27
